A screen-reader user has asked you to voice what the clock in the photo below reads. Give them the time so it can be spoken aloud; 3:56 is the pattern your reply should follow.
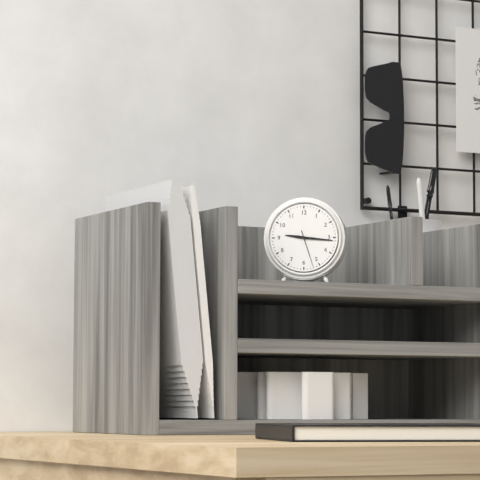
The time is 9:16
